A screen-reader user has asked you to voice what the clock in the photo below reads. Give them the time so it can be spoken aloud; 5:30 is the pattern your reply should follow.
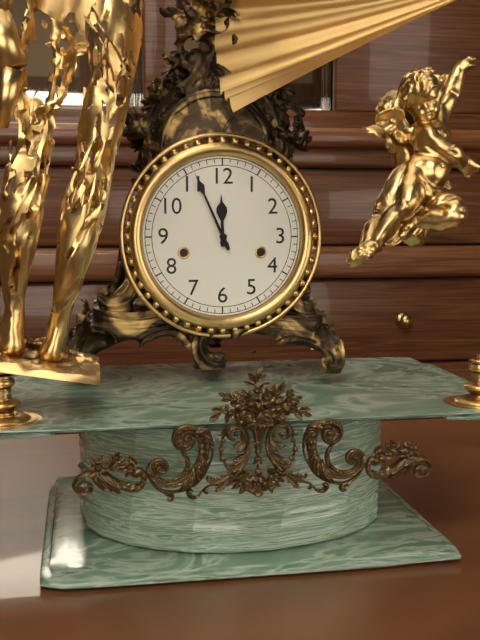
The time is 11:56
